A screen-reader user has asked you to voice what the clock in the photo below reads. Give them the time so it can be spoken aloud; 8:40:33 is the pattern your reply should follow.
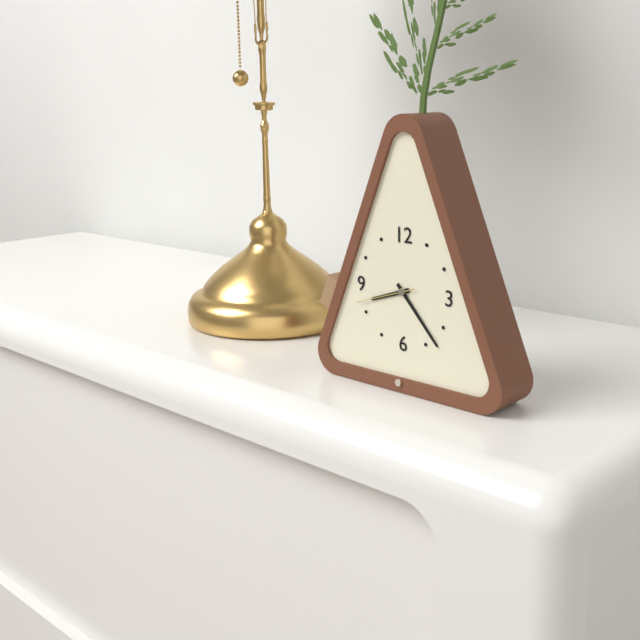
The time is 8:23:42
